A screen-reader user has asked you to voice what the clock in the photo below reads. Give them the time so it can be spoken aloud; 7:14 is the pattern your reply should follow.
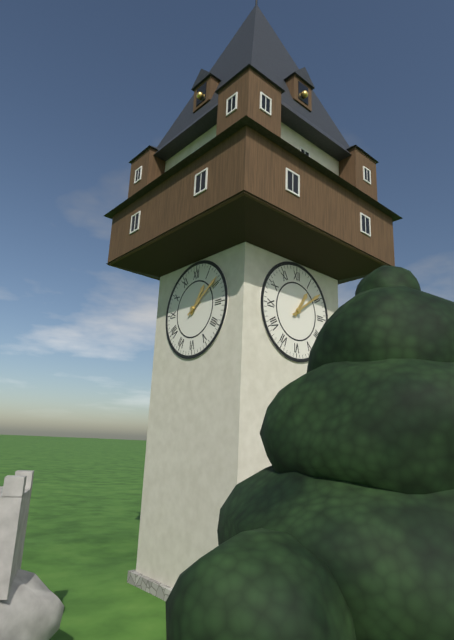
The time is 1:09
